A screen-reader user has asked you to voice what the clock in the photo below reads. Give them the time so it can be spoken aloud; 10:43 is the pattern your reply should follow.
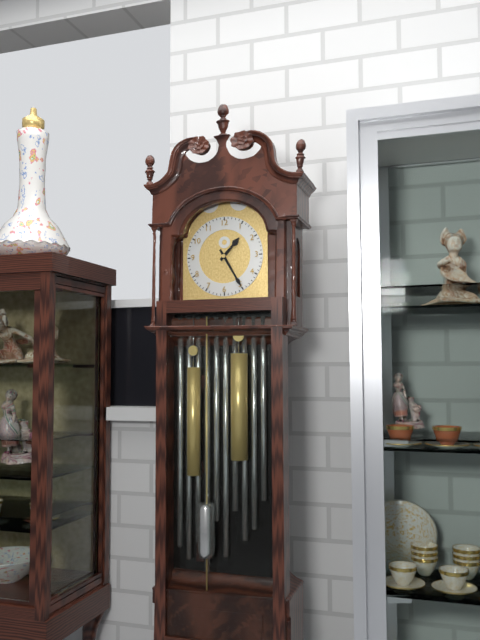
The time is 1:25
